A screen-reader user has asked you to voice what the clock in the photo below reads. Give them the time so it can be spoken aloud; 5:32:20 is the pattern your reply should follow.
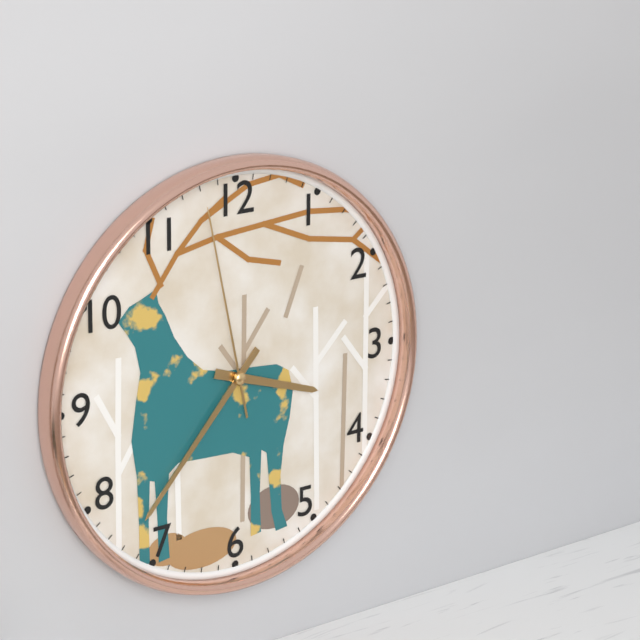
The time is 3:37:58
